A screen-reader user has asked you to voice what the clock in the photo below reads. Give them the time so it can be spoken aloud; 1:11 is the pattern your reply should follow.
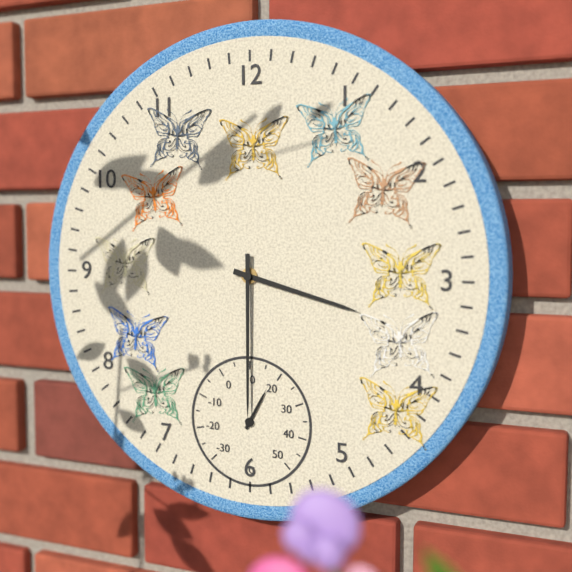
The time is 3:30
